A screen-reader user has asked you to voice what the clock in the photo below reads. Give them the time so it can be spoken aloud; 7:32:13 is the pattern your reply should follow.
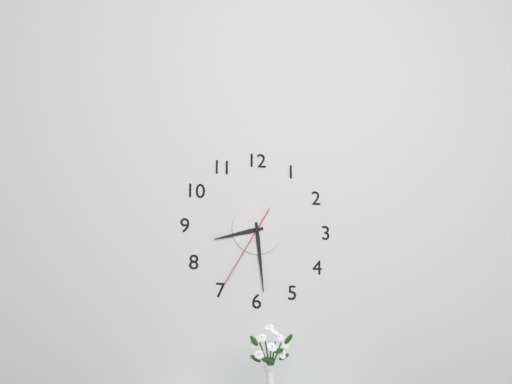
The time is 8:29:35
